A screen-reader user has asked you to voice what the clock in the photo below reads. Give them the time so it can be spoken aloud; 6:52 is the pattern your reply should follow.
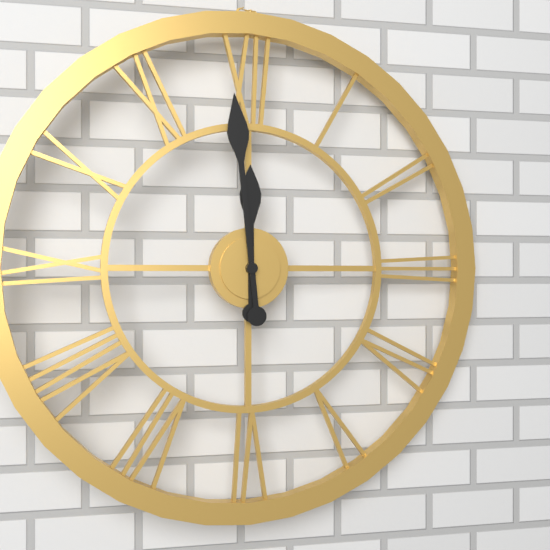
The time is 11:59
